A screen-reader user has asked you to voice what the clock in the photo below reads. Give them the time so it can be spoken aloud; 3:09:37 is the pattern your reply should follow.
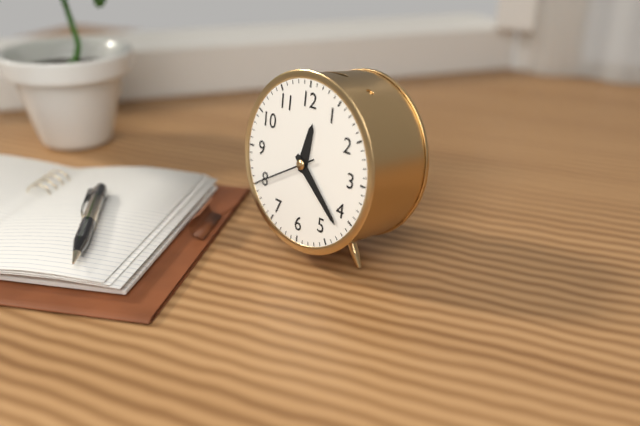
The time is 12:22:40
